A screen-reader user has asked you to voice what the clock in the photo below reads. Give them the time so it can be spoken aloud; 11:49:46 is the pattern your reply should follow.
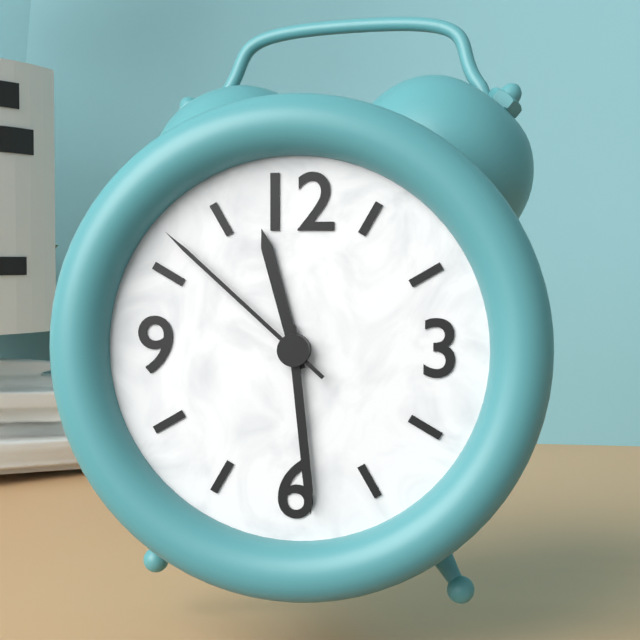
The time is 11:29:52
